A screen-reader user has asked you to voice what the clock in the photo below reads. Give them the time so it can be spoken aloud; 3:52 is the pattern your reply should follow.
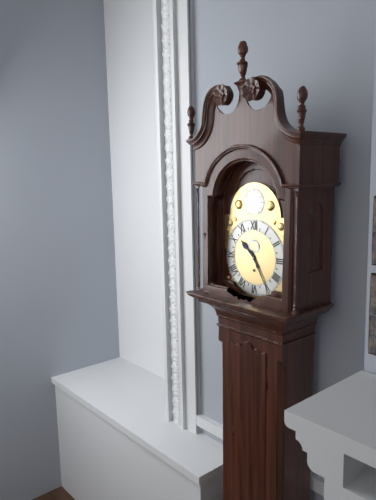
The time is 10:25
